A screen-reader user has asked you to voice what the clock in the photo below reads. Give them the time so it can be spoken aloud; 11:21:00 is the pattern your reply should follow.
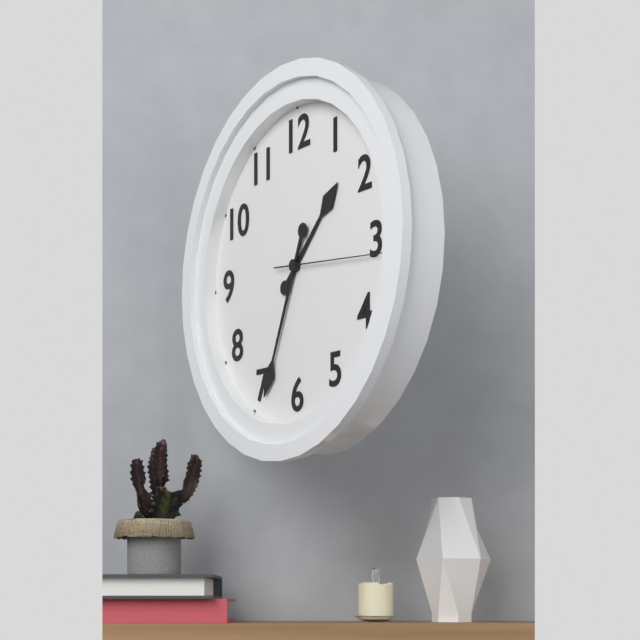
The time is 1:34:16
